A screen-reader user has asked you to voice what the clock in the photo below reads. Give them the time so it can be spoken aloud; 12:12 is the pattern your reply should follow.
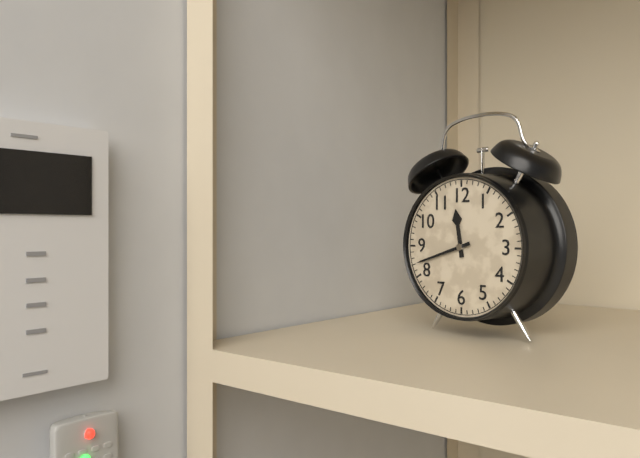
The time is 11:42
